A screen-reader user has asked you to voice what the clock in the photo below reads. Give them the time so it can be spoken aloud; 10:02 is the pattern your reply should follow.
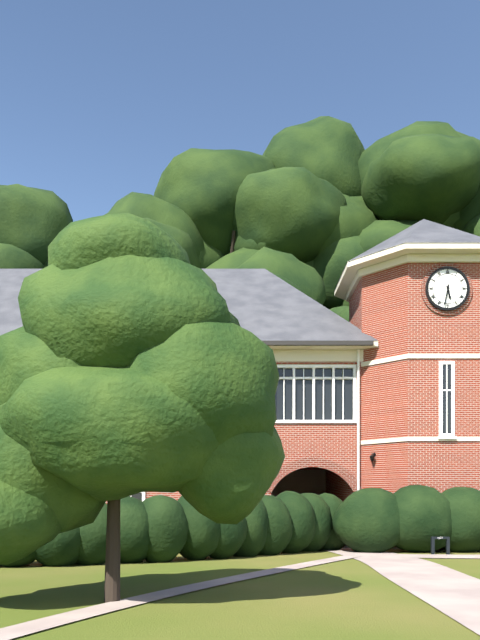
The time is 5:32
